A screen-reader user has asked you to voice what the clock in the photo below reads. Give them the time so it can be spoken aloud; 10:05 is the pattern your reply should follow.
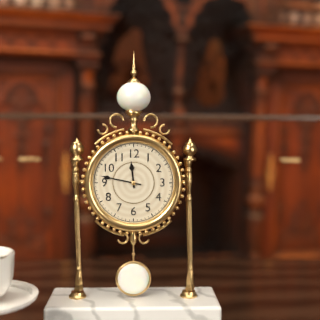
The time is 11:47
